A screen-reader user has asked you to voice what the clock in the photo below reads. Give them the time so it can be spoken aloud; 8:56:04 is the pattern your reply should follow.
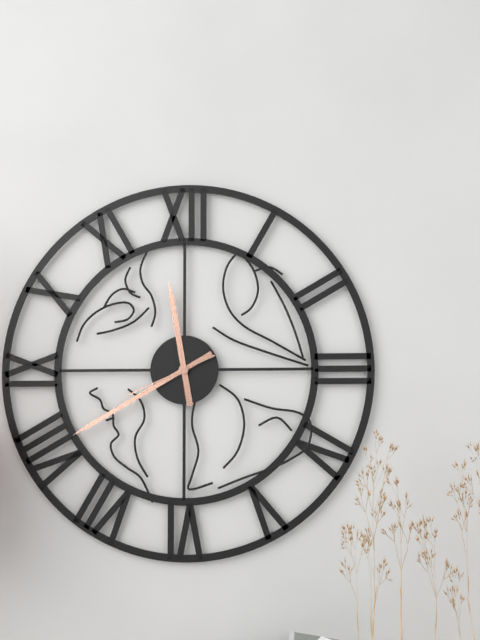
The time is 11:40:41
